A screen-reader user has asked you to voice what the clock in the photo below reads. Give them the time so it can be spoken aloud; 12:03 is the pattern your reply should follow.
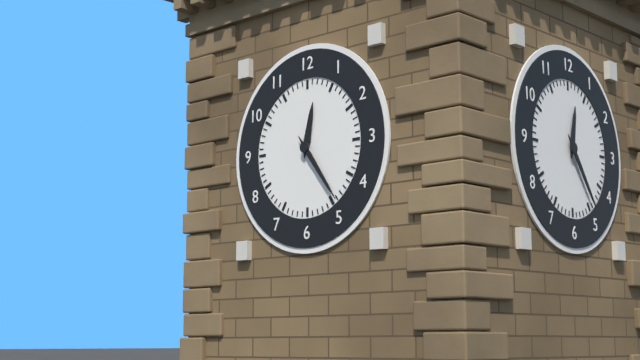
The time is 12:24
